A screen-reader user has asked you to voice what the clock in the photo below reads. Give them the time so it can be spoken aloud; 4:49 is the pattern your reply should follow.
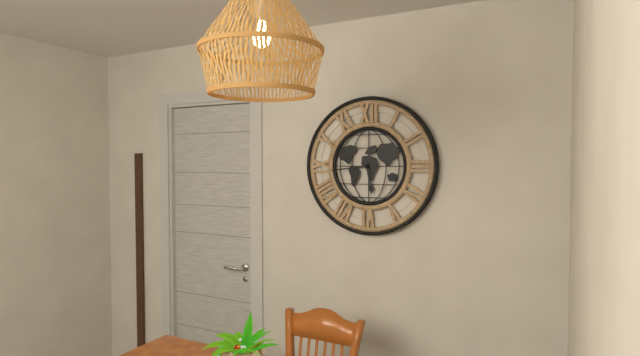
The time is 5:44
